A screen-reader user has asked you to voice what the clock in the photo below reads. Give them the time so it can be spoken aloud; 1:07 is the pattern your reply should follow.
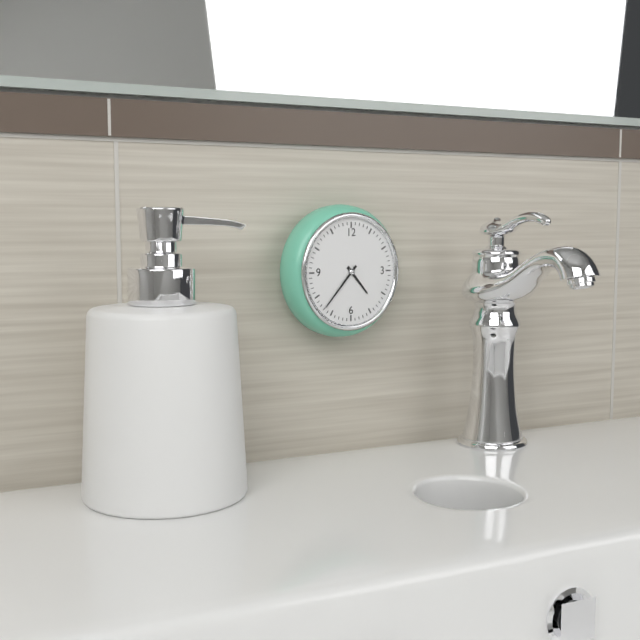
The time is 4:37
